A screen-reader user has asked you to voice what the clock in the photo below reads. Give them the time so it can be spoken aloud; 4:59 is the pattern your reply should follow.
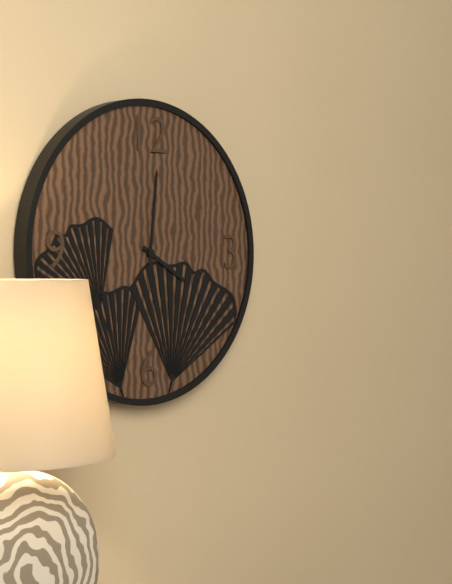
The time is 4:01
